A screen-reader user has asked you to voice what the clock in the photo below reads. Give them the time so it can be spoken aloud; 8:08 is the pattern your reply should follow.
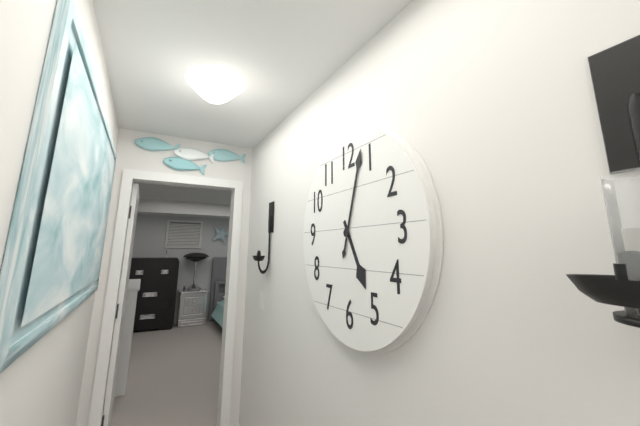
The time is 5:03
